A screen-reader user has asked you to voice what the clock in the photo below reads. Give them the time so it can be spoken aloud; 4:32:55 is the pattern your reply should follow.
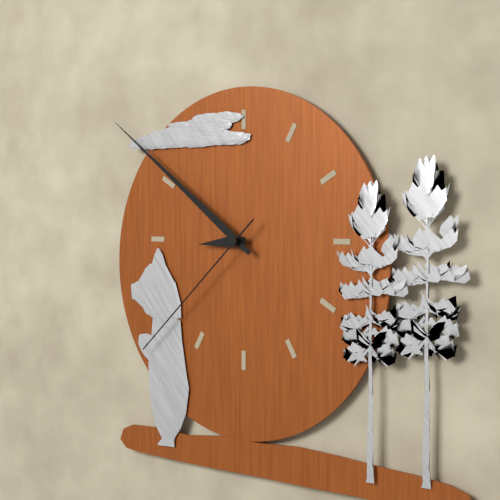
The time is 8:51:38
